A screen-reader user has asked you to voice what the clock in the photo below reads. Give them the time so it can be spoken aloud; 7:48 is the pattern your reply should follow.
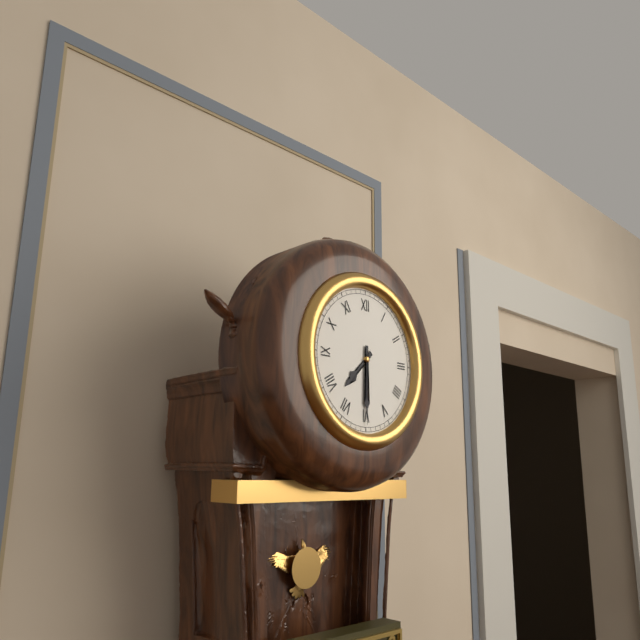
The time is 7:30
